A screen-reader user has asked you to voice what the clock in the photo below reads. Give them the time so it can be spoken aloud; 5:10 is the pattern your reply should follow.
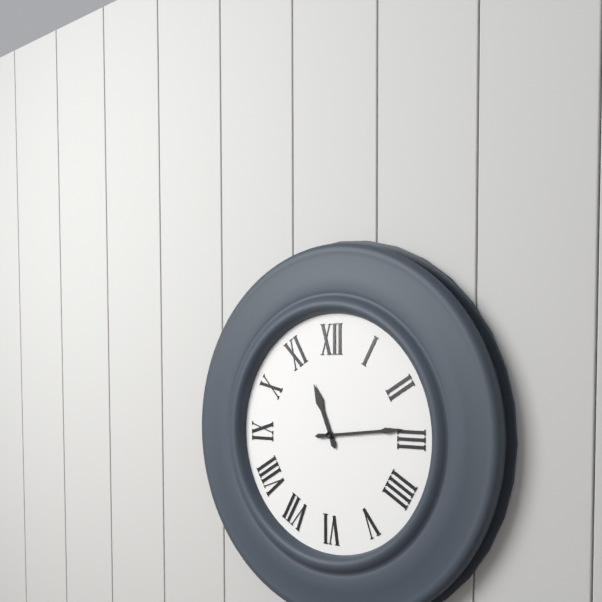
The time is 11:14
